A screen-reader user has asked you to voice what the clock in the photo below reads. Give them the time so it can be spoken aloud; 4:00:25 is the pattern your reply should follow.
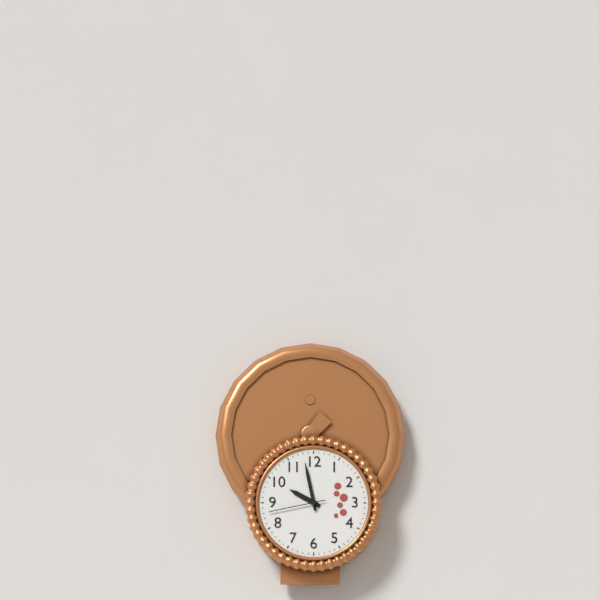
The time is 9:58:43
